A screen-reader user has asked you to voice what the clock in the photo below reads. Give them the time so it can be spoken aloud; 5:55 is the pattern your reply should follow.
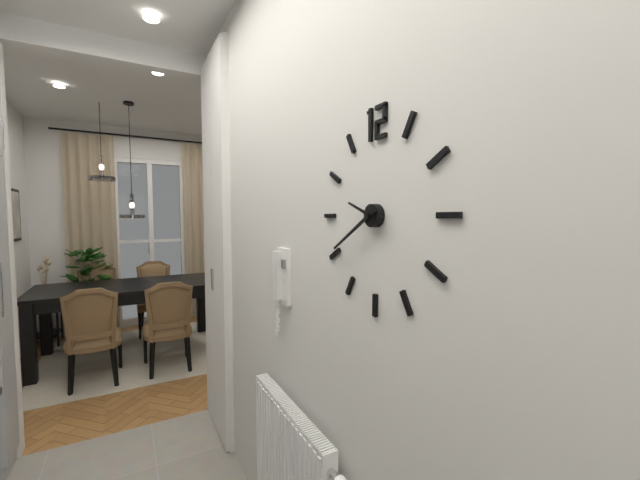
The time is 9:40
